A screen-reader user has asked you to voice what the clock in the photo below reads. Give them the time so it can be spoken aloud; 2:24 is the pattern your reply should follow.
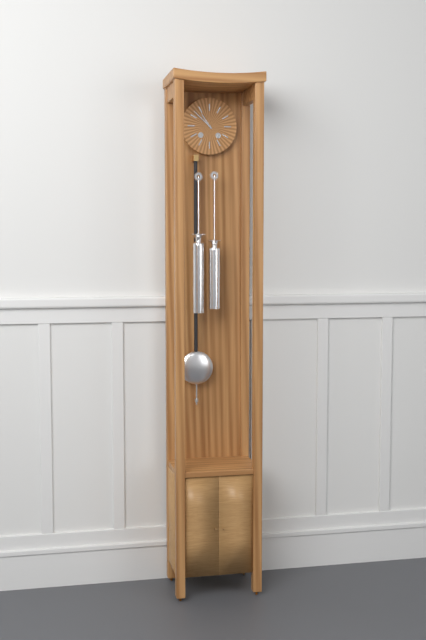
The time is 10:52
